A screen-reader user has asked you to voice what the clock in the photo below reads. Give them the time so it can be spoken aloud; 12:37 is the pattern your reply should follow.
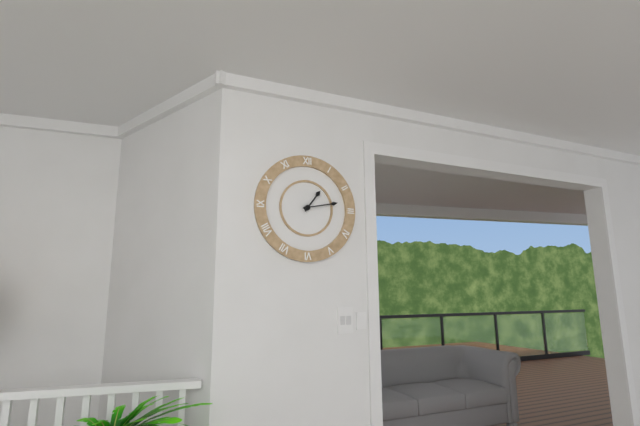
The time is 1:13
